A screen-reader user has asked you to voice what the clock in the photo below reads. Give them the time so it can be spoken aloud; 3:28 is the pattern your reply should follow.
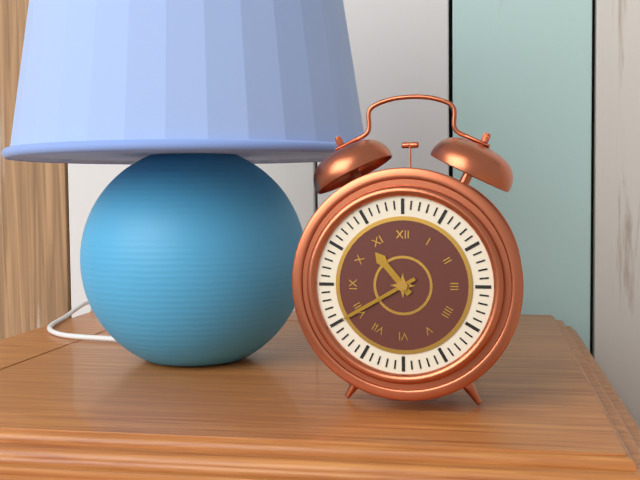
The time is 10:40
